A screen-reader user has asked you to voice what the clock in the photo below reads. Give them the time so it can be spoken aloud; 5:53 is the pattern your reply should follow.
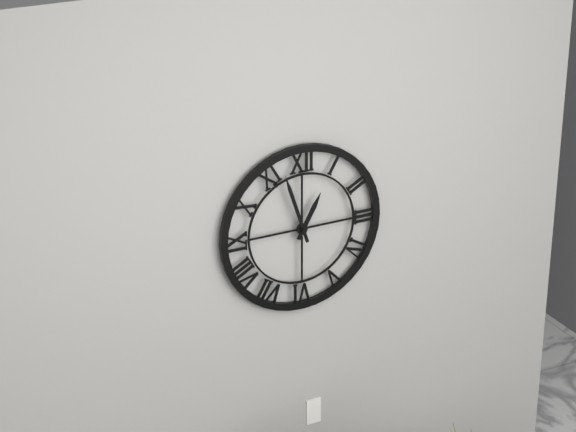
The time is 12:57
